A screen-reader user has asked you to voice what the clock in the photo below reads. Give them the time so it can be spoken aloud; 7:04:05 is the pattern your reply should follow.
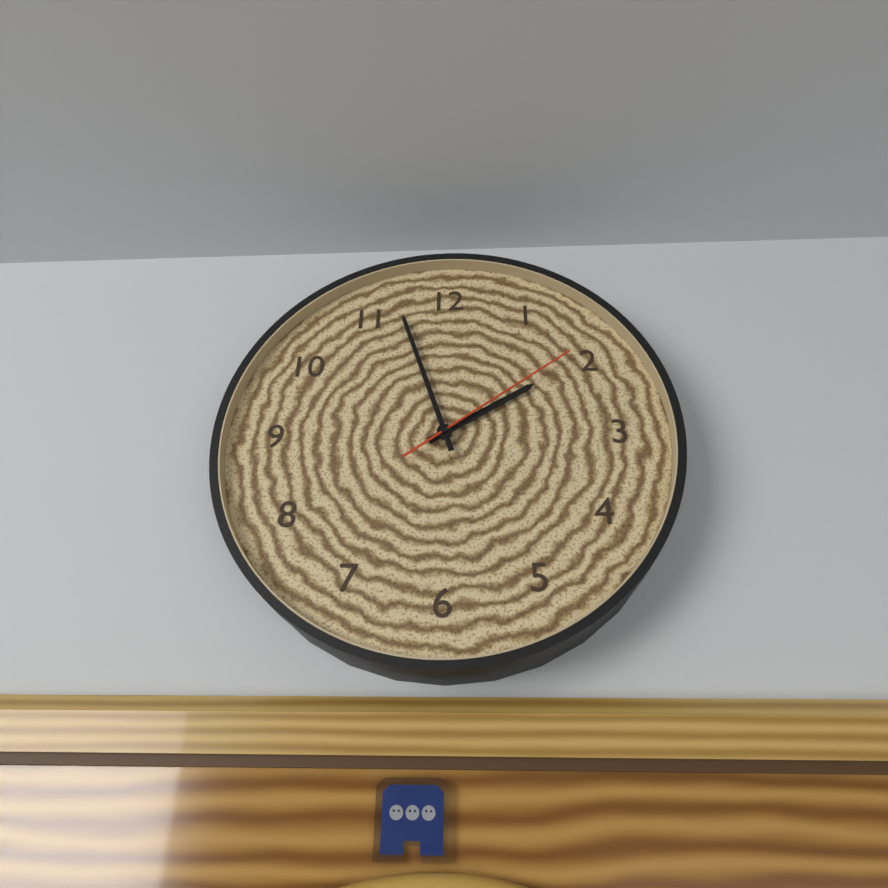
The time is 1:57:09
